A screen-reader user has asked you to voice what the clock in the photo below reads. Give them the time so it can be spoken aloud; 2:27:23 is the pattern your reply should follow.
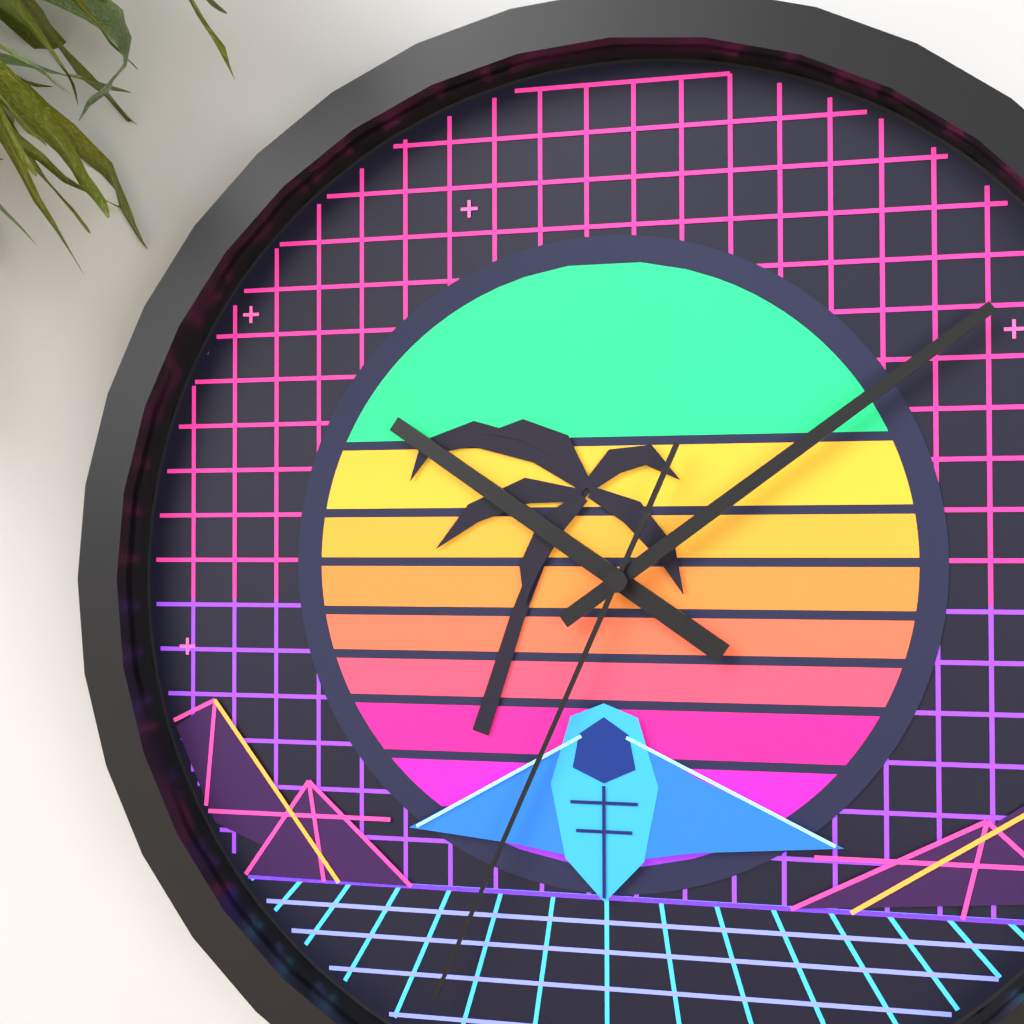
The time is 10:09:34
